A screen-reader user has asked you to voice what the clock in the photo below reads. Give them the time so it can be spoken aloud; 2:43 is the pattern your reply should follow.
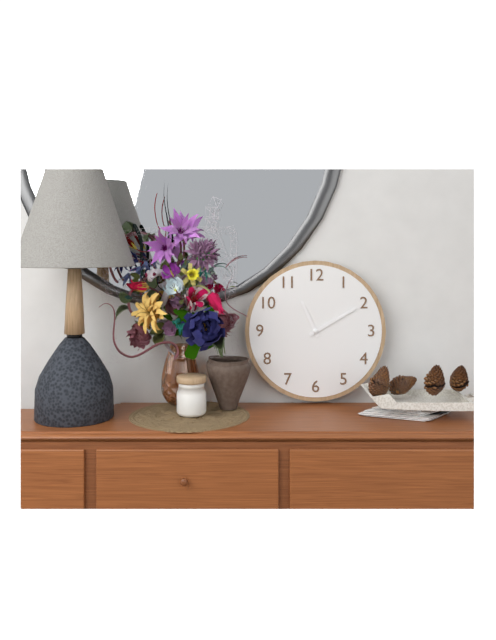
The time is 11:10
